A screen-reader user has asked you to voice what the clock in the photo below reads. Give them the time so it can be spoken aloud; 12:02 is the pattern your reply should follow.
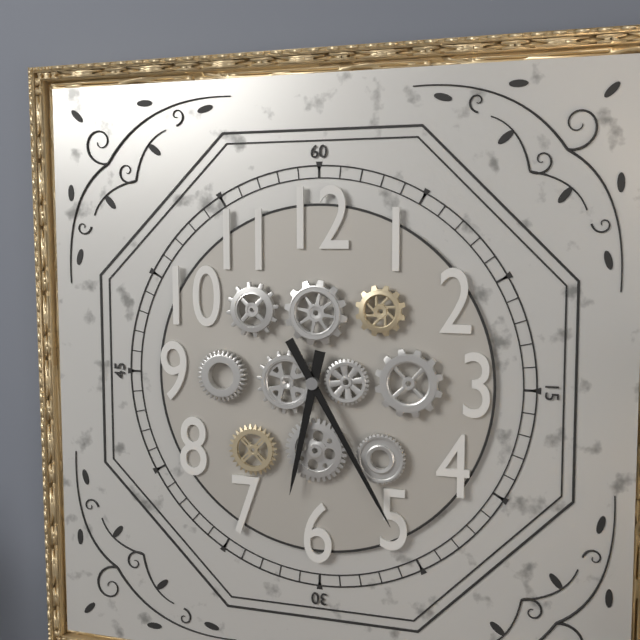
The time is 6:25
